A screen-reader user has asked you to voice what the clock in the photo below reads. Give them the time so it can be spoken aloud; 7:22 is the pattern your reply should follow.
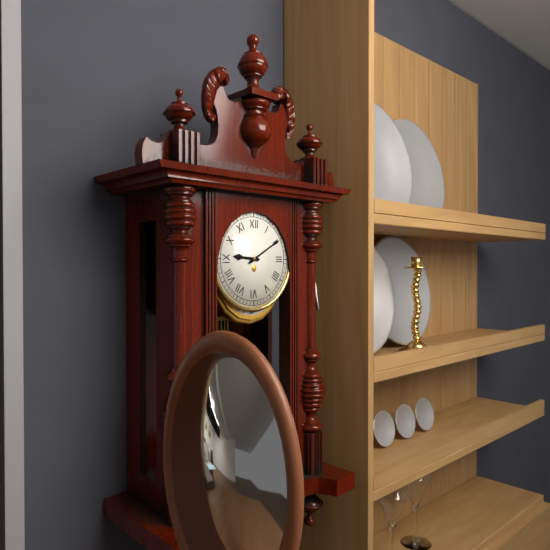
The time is 9:10
